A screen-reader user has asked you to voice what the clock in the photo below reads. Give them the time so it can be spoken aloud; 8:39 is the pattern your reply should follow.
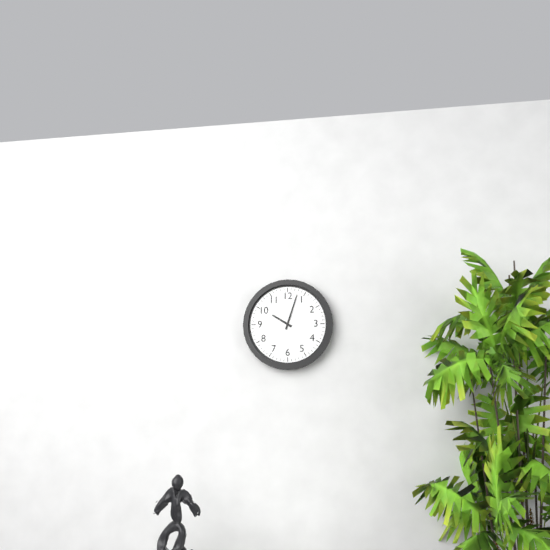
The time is 10:03
